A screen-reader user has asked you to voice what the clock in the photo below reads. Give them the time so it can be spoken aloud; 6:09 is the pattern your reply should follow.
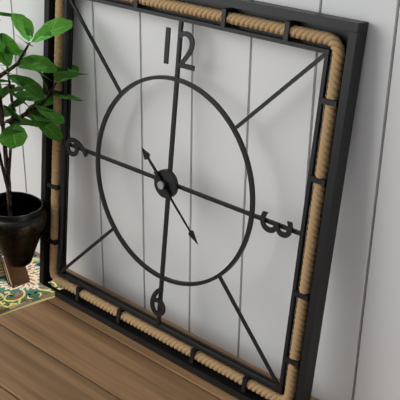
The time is 10:22
